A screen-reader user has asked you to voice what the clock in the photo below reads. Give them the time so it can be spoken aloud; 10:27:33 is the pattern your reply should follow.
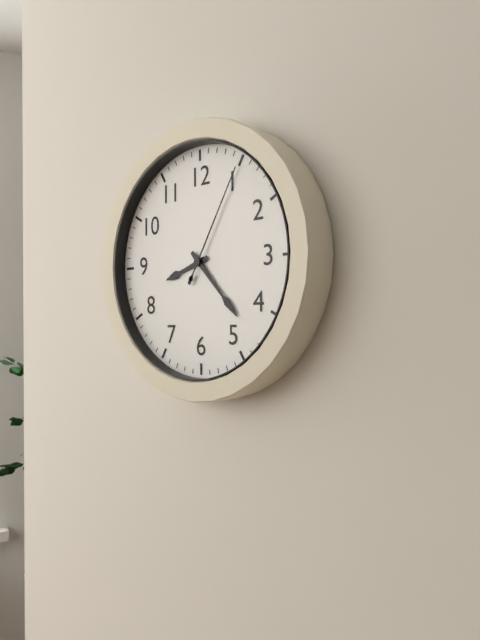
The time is 8:23:05
